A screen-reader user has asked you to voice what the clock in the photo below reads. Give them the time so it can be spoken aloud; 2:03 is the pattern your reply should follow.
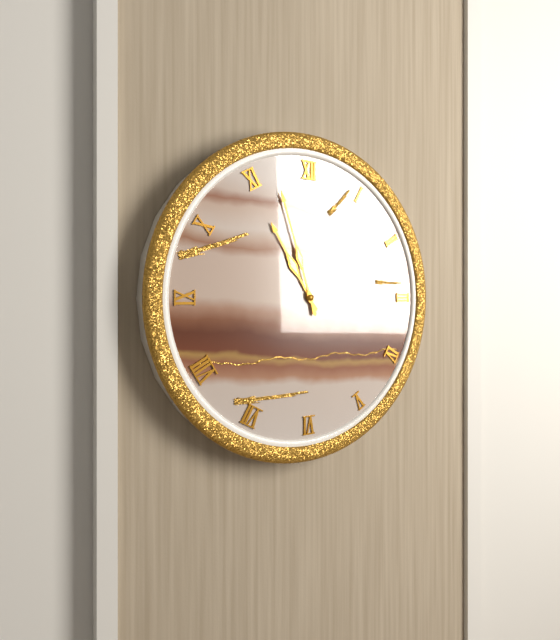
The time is 10:57
